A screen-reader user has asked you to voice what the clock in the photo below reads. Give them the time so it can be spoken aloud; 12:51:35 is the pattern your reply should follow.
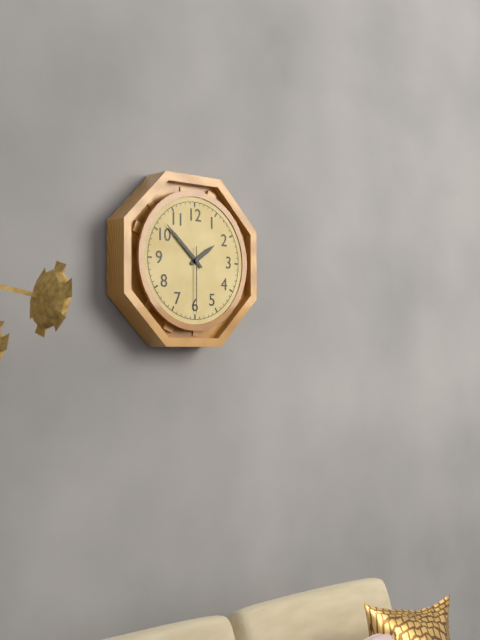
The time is 1:52:30
